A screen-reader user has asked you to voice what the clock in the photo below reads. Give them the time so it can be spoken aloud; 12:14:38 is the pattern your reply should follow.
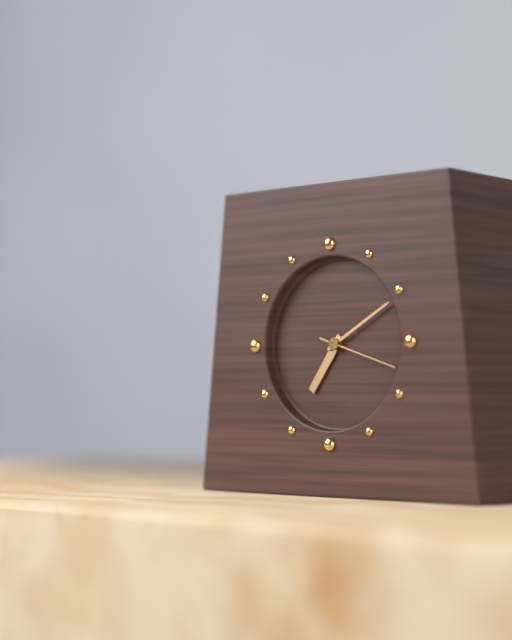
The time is 7:10:18
